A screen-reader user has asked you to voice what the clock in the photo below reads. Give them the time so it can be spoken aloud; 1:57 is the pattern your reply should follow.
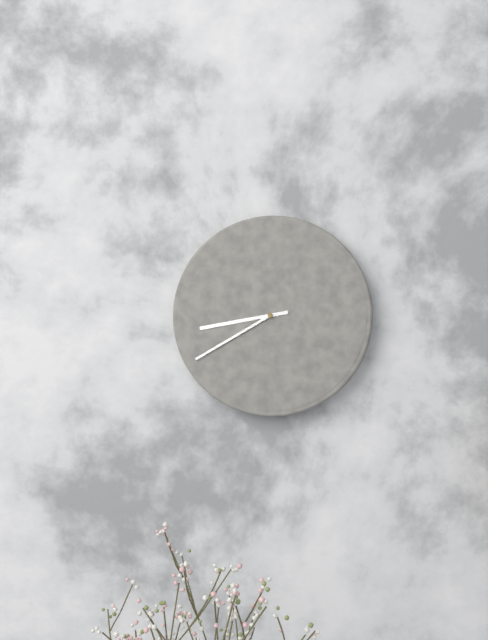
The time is 8:40
